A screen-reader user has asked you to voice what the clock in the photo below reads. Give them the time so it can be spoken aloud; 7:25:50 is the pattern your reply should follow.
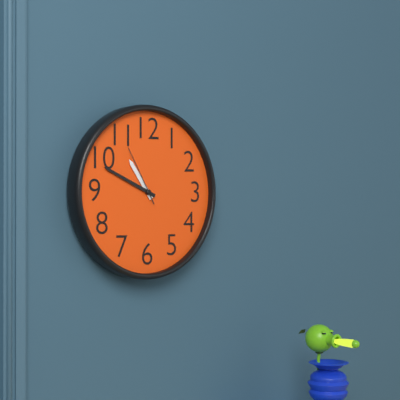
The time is 10:49:55
